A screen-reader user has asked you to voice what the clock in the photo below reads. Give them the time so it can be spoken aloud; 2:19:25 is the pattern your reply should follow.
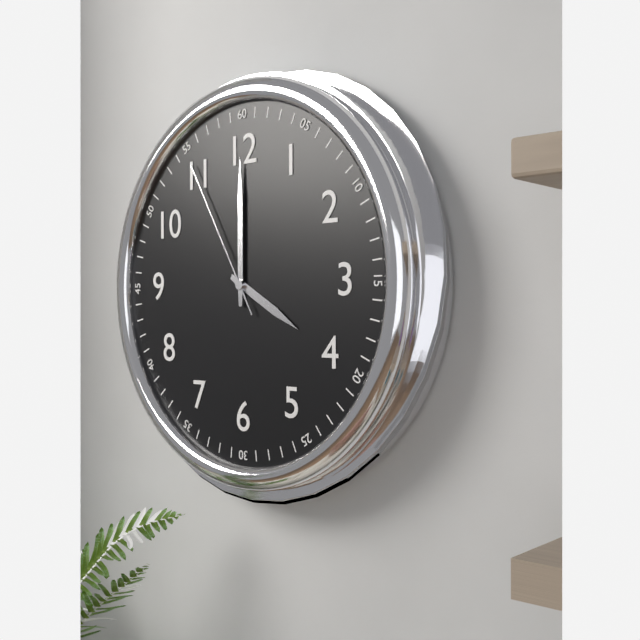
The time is 4:00:55
